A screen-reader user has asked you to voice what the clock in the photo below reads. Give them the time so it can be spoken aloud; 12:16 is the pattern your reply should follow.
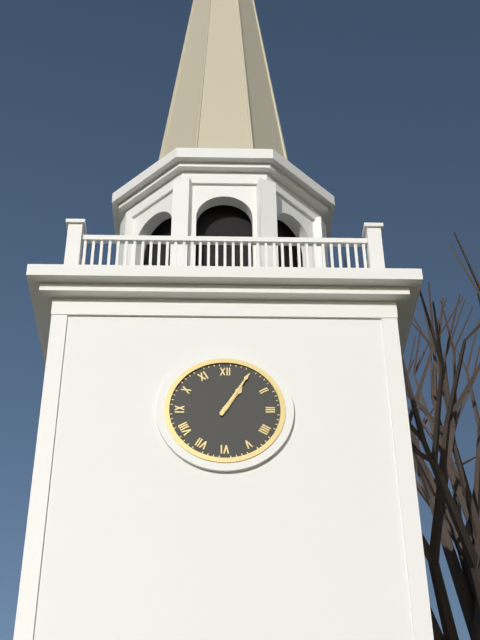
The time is 1:05
